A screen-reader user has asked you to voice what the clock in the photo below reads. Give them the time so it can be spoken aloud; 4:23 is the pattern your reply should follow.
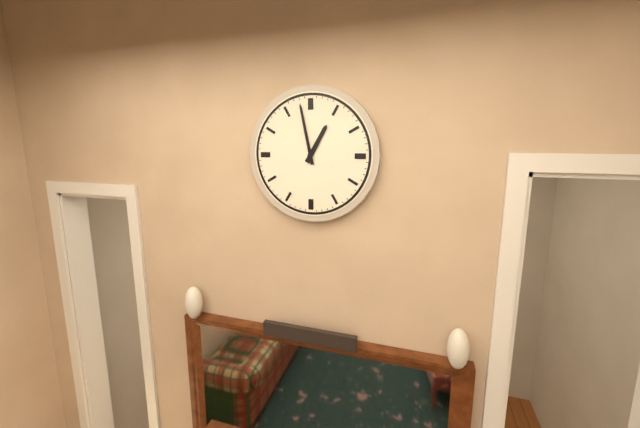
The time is 12:58
